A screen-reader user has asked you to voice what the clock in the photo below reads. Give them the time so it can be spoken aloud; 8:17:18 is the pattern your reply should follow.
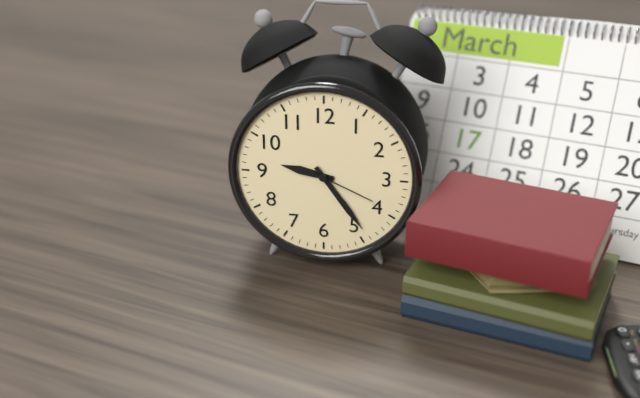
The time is 9:24:19
